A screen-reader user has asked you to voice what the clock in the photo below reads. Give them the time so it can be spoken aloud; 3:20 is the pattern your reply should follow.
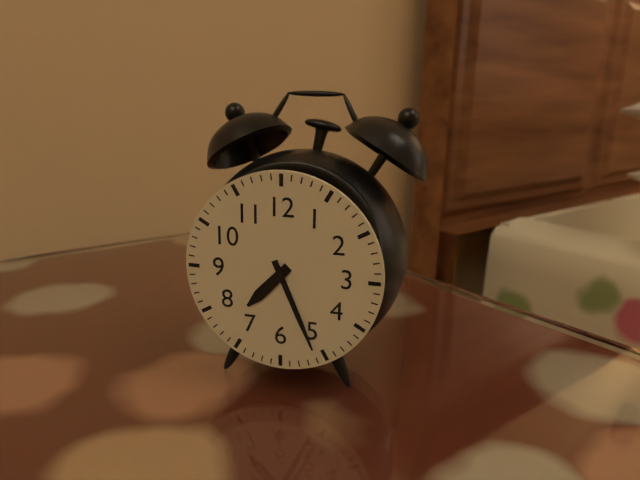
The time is 7:26
